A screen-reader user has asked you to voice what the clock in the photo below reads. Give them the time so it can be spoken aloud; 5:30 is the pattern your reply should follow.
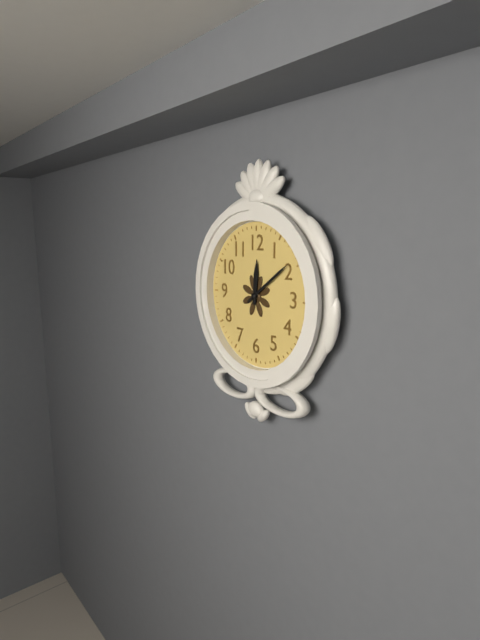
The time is 12:09
